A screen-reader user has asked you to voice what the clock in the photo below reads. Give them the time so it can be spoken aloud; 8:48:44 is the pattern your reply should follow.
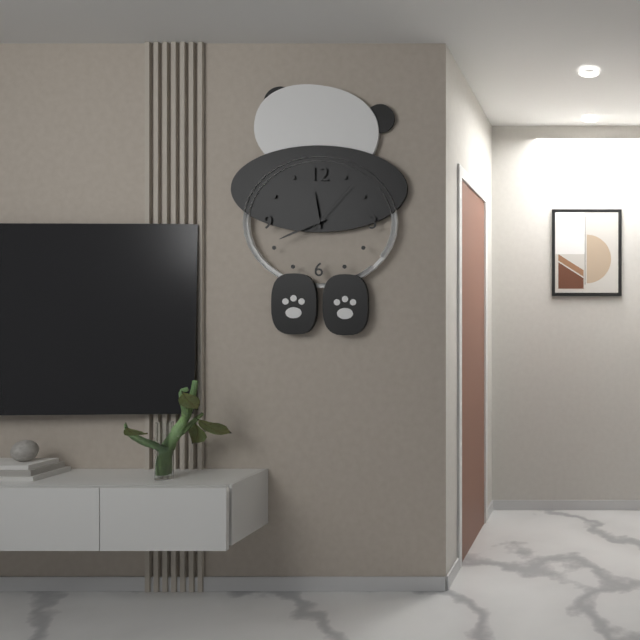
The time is 11:41:07
